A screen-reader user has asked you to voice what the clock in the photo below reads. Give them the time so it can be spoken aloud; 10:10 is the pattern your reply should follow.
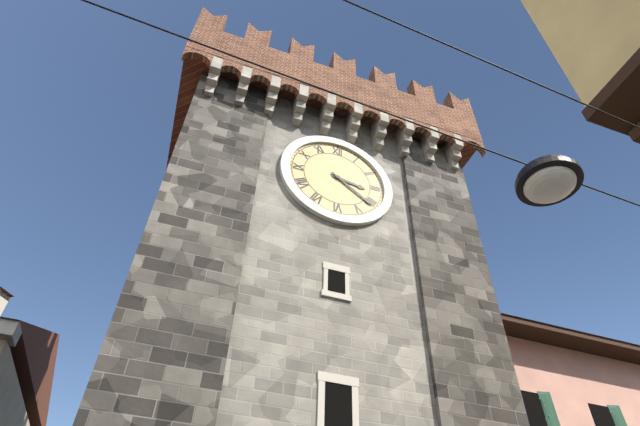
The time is 3:21
